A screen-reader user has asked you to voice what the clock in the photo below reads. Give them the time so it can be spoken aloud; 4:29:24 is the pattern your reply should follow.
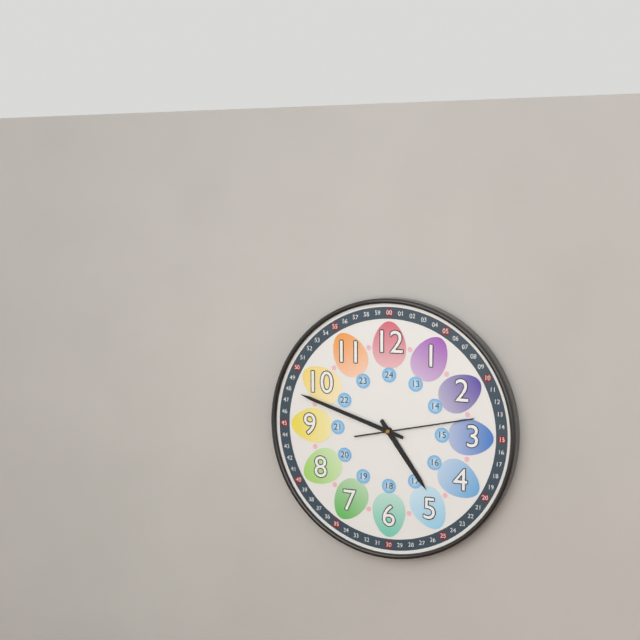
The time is 4:48:13
